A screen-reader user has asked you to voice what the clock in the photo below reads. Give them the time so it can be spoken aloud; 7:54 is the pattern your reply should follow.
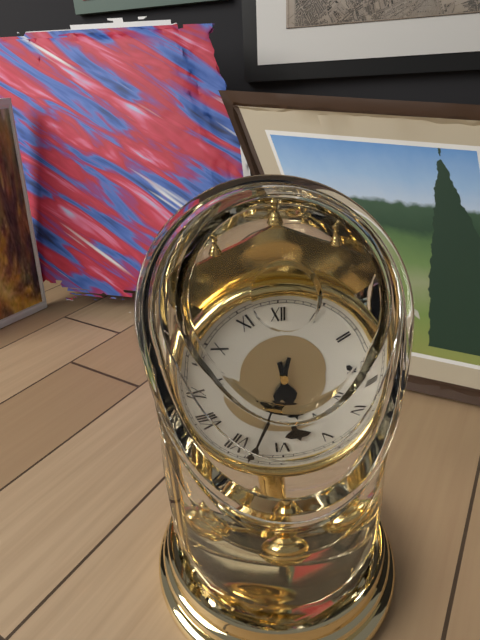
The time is 5:33
